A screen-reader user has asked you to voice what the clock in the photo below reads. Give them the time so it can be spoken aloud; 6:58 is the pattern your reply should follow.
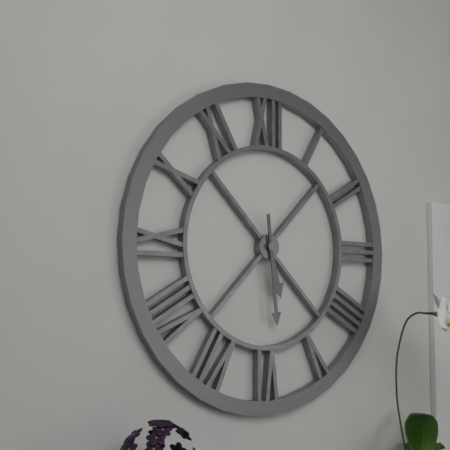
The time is 5:29
